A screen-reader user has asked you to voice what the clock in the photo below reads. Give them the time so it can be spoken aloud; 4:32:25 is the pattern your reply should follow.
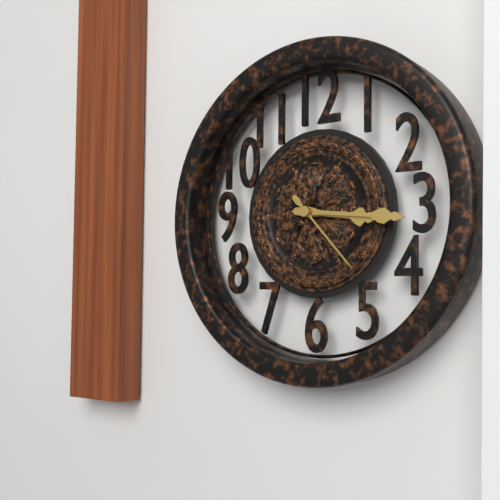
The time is 3:16:23
